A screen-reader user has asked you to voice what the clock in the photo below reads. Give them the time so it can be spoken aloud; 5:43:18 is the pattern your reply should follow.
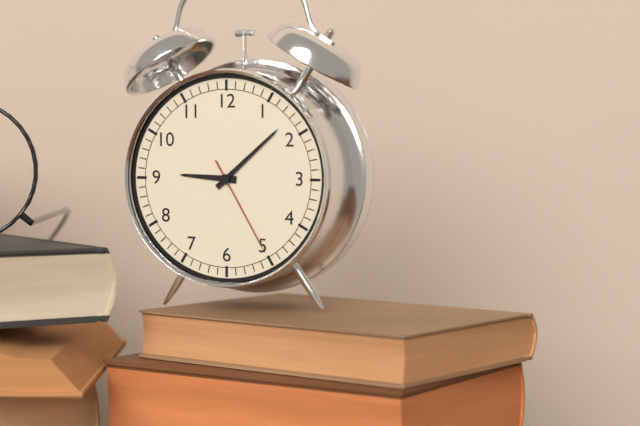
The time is 9:08:25
